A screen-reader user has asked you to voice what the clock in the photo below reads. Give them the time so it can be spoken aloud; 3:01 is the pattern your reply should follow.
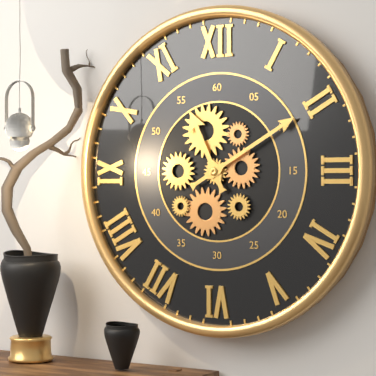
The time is 11:10
